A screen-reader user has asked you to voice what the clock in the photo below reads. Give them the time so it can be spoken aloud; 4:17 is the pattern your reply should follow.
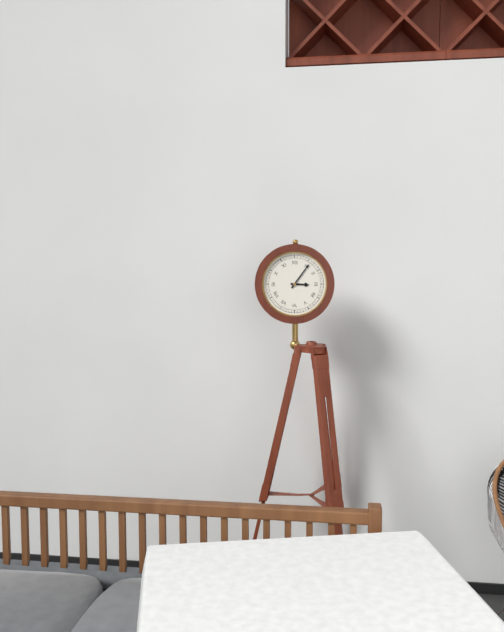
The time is 3:06
